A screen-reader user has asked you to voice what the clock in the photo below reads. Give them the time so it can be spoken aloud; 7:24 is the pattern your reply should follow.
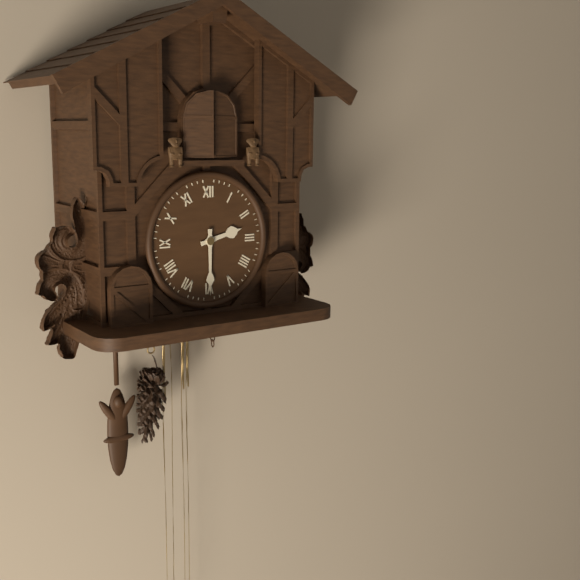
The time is 2:30
